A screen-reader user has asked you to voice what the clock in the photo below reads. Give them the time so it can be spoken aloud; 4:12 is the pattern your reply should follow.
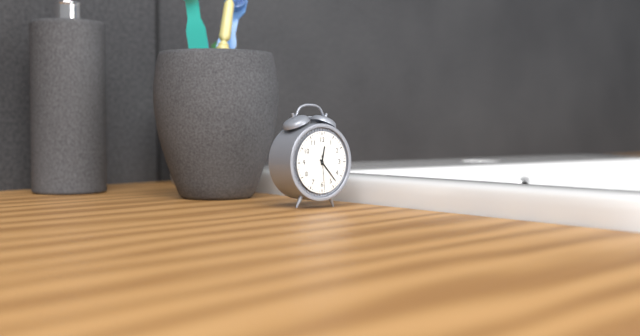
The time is 12:23
